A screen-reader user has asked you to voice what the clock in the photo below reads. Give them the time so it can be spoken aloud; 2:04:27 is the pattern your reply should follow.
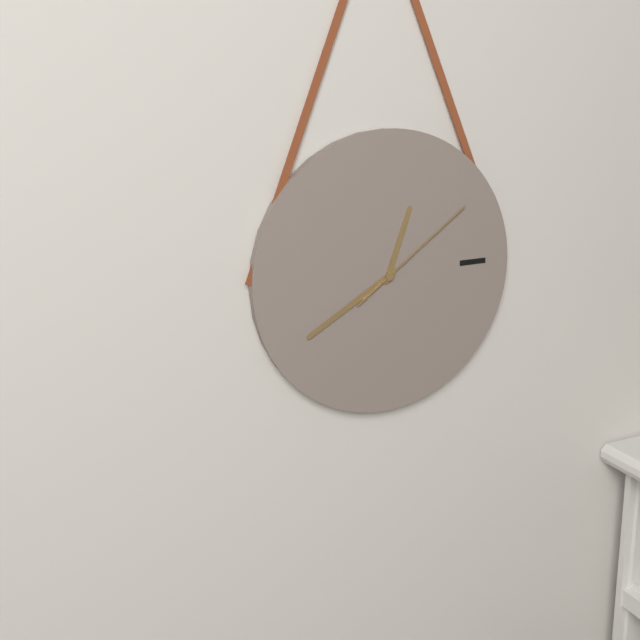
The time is 12:40:09
